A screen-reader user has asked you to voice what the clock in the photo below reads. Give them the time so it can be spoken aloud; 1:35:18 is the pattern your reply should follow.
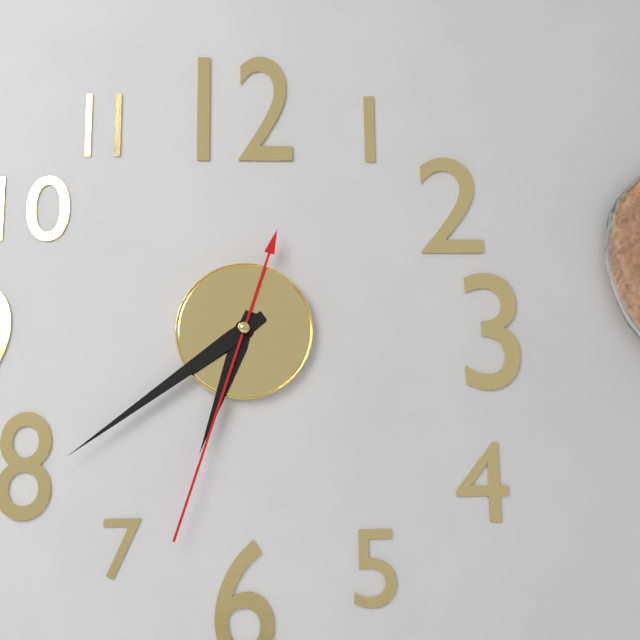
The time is 6:39:33
